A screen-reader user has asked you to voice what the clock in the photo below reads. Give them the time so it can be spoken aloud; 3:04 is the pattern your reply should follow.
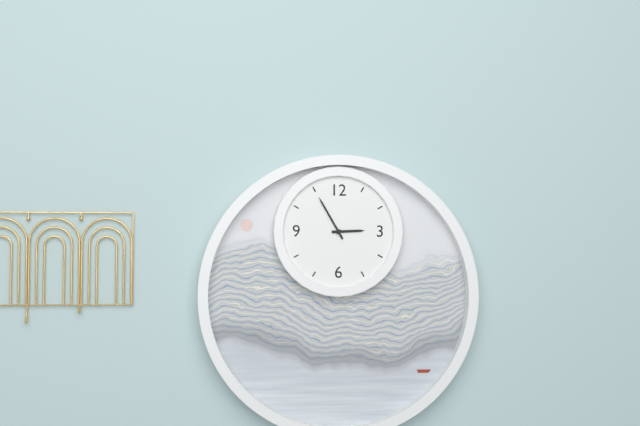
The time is 2:55
